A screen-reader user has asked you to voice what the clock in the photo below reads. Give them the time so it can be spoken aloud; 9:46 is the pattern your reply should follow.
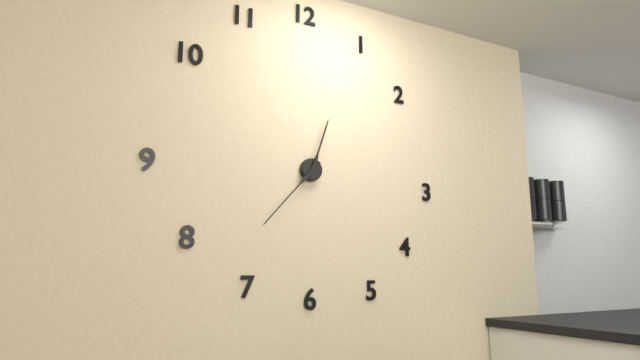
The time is 12:37
